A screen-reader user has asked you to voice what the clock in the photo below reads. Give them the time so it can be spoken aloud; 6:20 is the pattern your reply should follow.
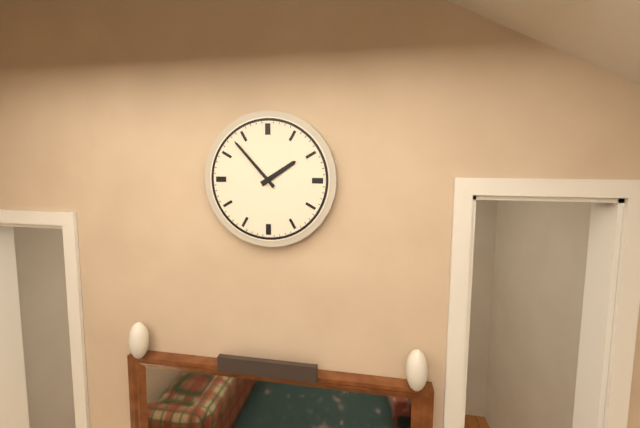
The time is 1:53
